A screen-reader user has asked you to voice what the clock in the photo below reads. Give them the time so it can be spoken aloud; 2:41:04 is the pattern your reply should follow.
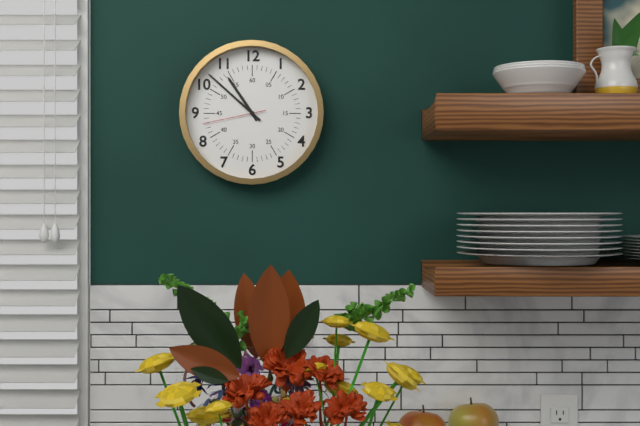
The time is 10:52:43
